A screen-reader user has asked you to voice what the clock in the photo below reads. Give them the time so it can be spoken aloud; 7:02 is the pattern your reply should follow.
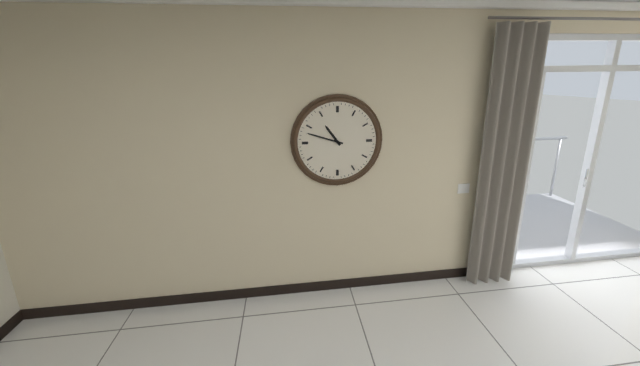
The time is 10:48
